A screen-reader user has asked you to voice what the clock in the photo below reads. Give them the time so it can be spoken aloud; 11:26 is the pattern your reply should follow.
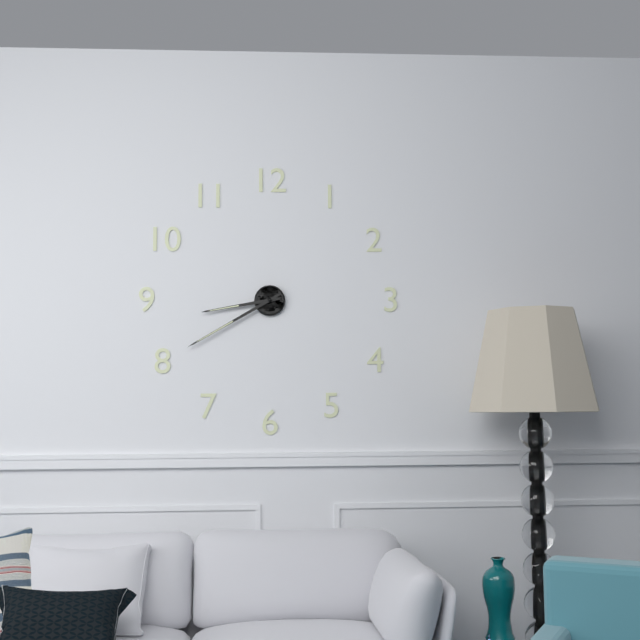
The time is 8:40
